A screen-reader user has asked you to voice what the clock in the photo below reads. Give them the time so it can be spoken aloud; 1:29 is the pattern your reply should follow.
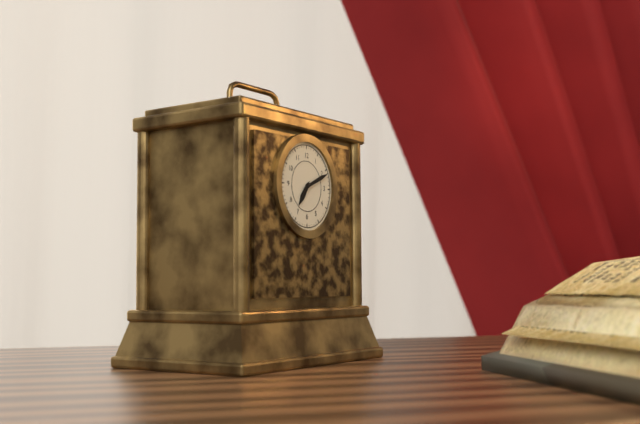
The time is 7:11
